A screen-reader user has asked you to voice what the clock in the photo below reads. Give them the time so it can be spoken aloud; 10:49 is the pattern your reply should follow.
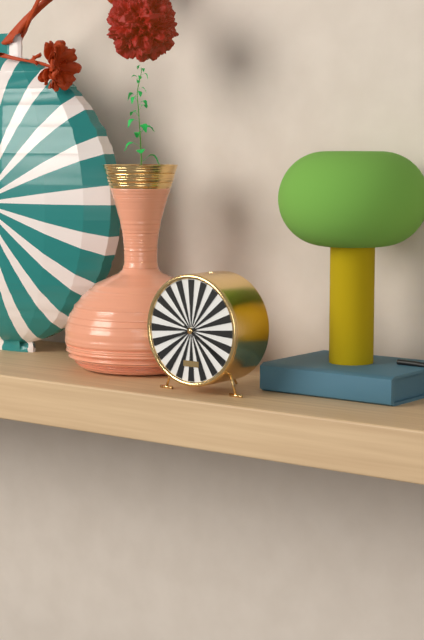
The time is 8:21
